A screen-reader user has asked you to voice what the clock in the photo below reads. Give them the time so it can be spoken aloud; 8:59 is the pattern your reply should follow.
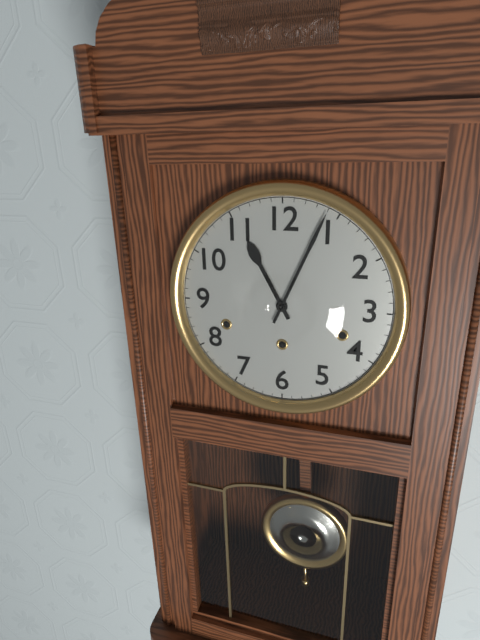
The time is 11:04
